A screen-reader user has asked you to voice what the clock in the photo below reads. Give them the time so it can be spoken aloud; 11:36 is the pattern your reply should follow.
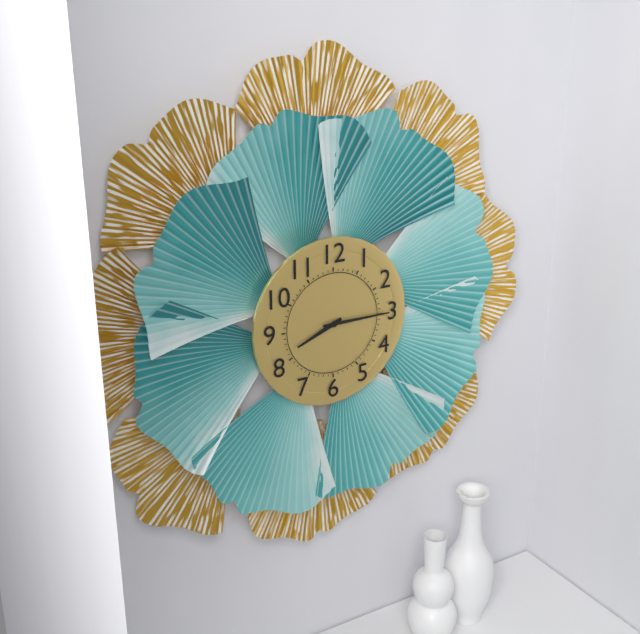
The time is 8:15
